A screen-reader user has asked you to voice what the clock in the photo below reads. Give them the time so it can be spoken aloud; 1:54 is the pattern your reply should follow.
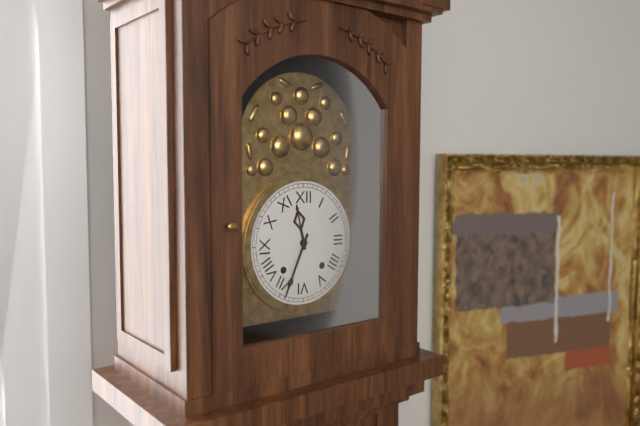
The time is 11:34
